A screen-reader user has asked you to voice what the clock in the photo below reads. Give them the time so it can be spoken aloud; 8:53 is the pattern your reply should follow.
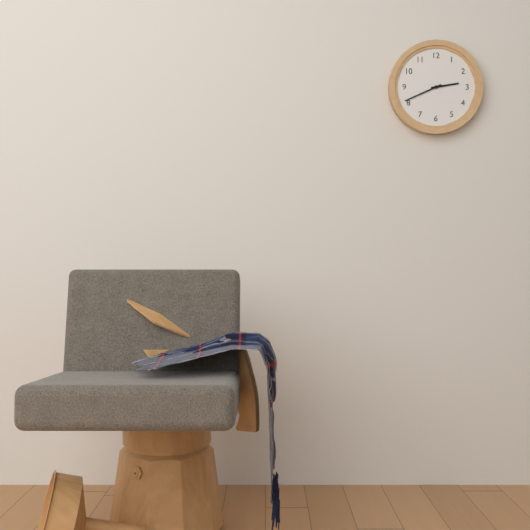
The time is 2:41
